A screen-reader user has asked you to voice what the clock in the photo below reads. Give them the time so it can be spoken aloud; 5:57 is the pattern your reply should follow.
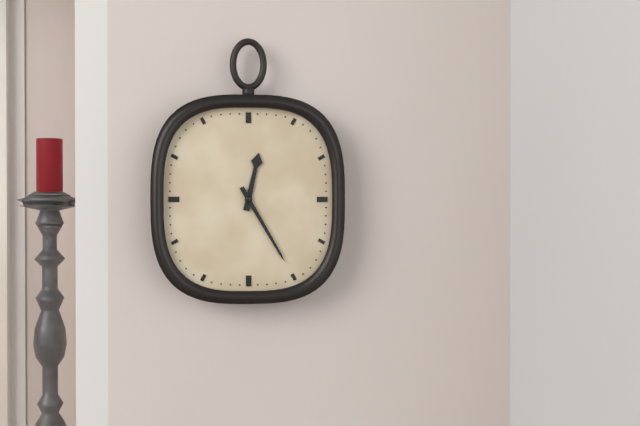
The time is 12:25
